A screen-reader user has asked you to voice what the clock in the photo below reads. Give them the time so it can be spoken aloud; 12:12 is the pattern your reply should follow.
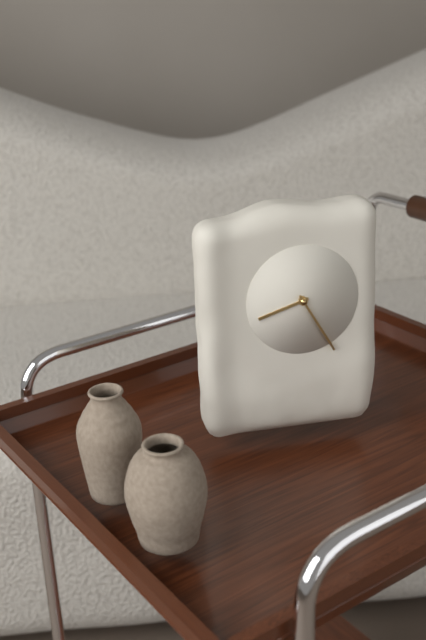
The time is 8:25
